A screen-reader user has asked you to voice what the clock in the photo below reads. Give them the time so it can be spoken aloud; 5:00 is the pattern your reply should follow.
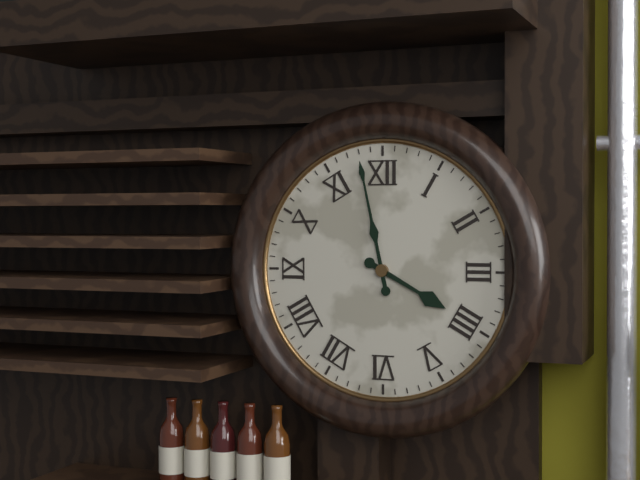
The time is 3:58
